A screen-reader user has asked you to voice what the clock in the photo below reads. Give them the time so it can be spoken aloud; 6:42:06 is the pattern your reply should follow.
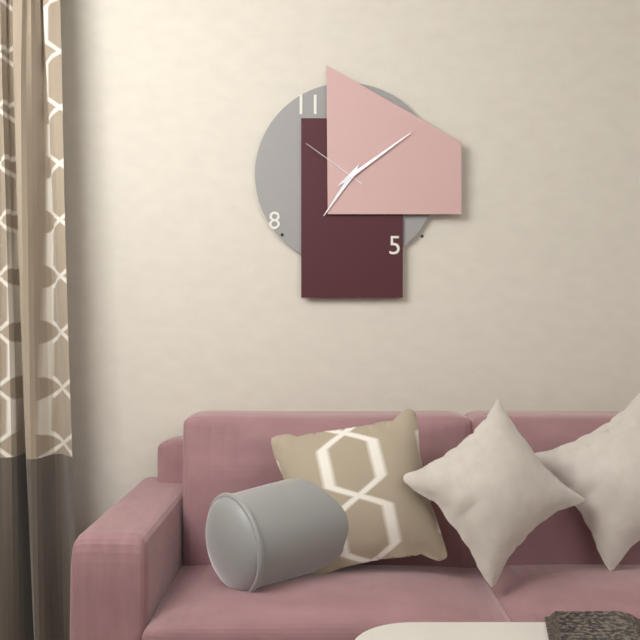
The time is 7:09:51
